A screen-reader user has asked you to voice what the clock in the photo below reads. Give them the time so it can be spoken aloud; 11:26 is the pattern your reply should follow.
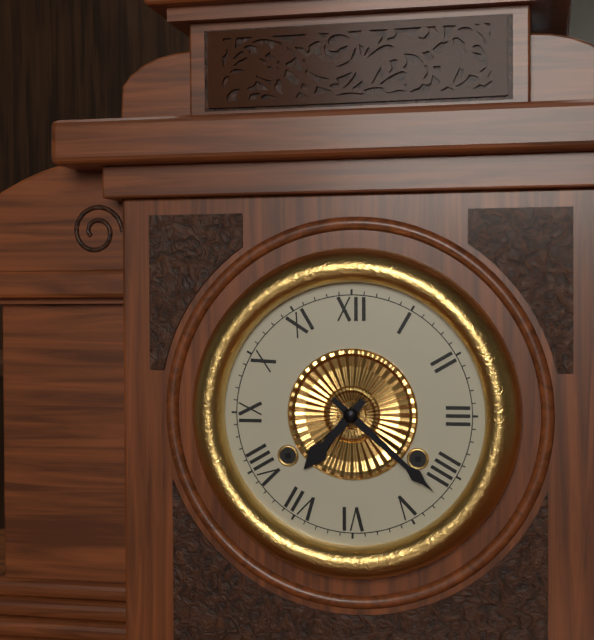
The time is 7:22
